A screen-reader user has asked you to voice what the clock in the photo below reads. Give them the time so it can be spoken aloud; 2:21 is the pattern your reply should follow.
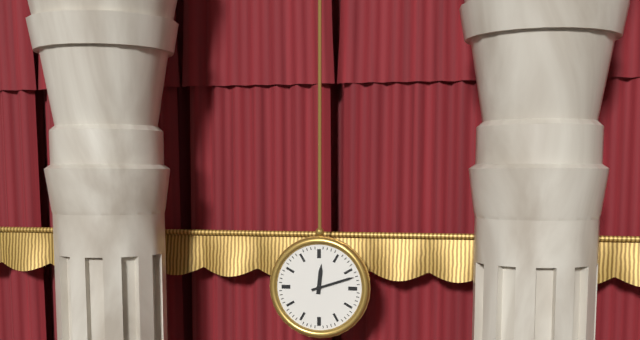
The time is 12:12
